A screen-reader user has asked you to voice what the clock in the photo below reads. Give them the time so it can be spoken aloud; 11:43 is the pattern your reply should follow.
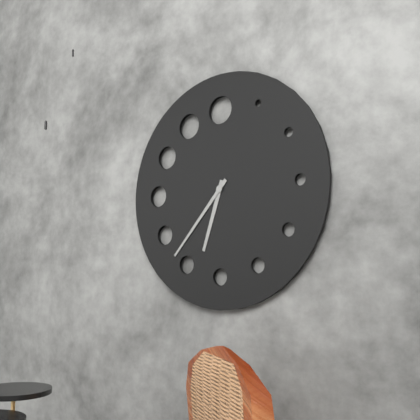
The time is 6:37
